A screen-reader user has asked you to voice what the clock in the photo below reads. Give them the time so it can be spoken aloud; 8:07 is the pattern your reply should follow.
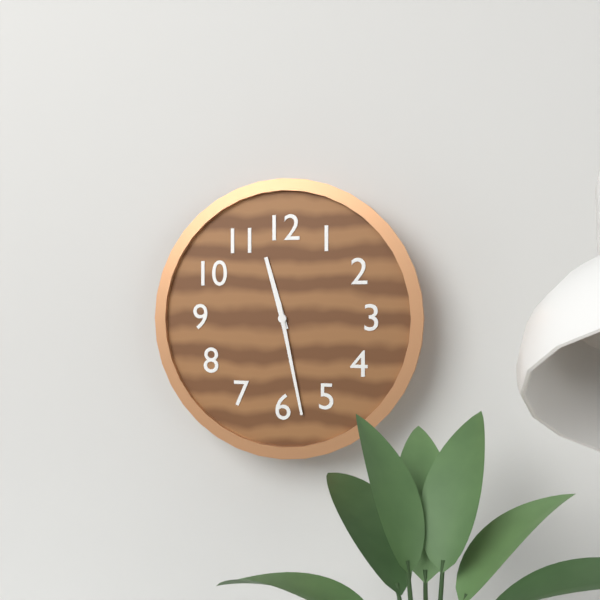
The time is 11:28
